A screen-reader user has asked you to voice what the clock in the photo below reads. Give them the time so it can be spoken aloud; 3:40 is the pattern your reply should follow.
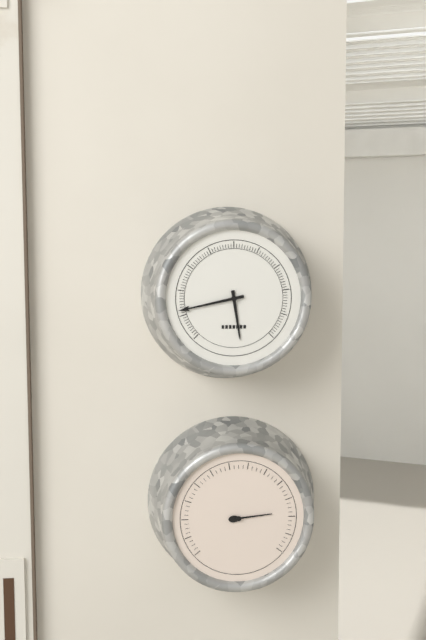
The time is 5:43
